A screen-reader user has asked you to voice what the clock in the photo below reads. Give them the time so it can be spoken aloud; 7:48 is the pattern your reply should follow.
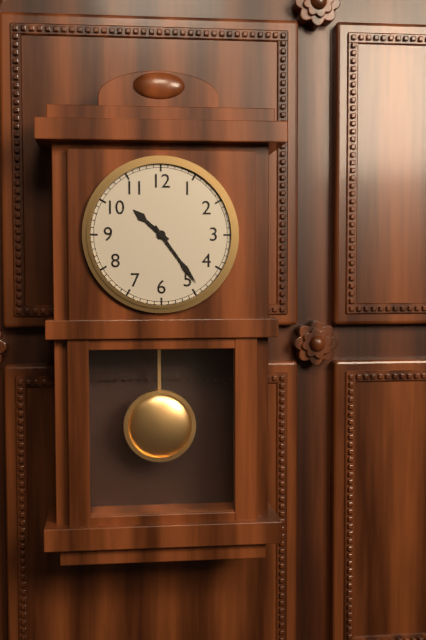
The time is 10:24
